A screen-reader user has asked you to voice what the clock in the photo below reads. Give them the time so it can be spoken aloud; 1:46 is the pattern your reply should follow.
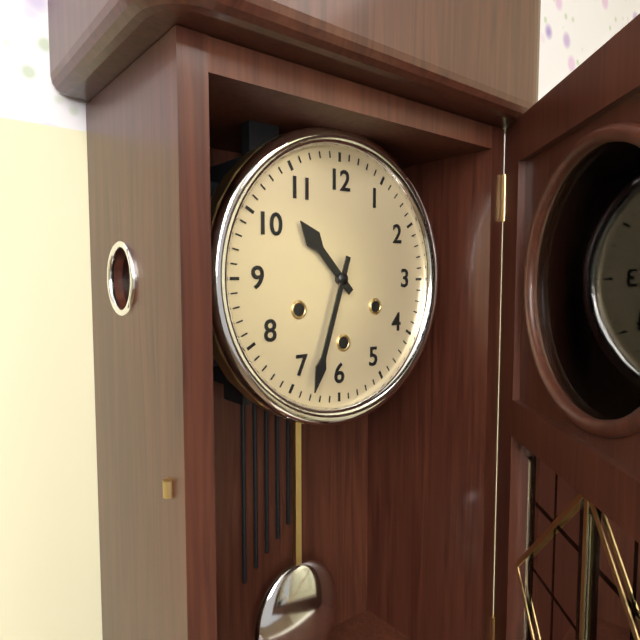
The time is 10:33
